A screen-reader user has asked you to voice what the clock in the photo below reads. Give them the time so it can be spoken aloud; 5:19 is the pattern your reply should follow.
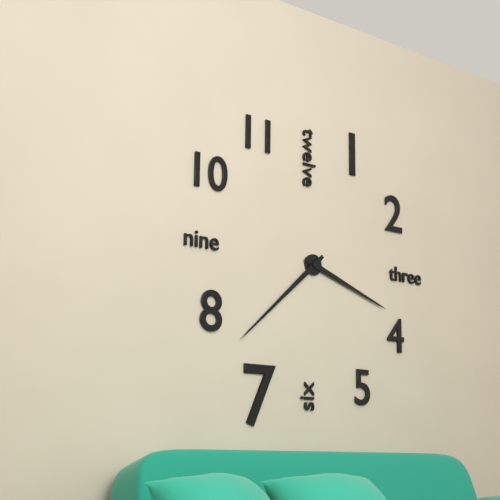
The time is 3:38
